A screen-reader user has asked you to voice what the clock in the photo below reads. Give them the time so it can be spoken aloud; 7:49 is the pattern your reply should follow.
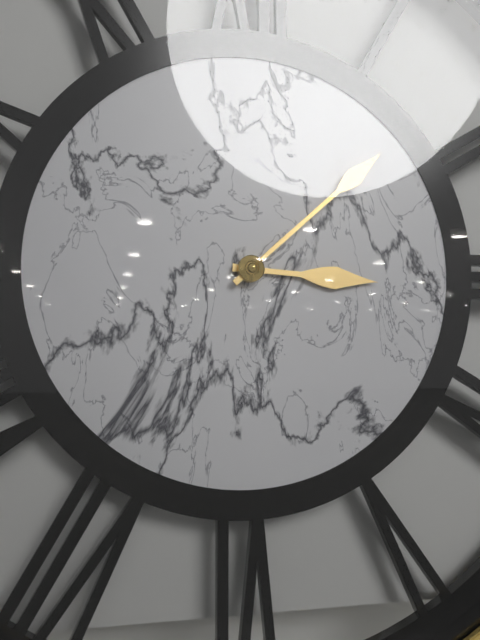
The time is 3:08
